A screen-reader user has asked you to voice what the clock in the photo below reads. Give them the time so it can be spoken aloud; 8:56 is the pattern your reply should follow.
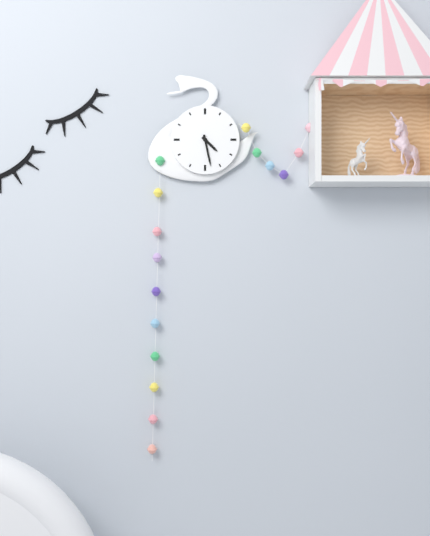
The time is 4:28
